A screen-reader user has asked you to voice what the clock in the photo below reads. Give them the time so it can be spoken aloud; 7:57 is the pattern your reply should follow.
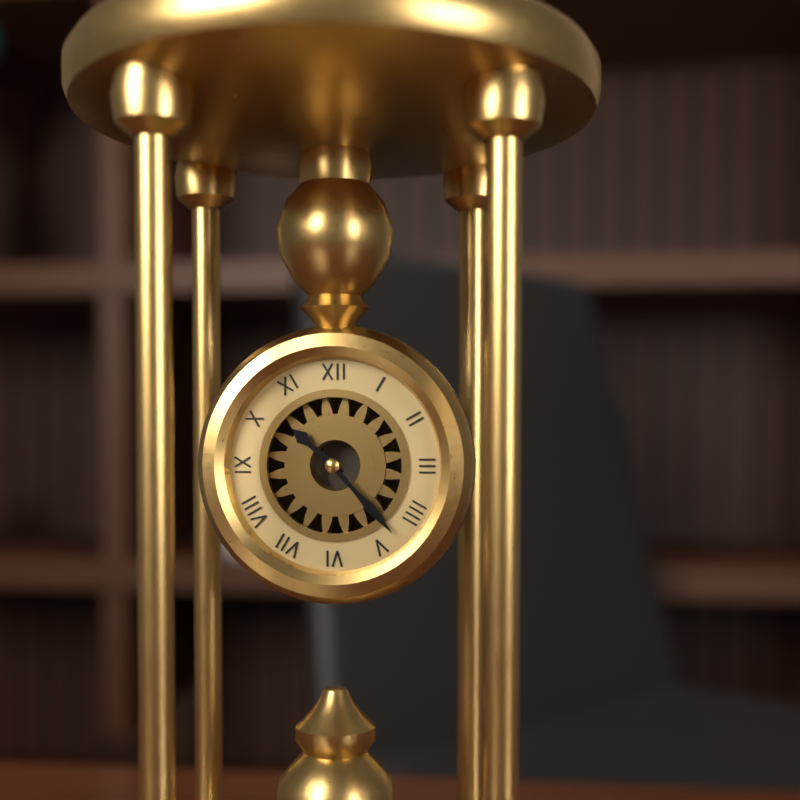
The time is 10:23
